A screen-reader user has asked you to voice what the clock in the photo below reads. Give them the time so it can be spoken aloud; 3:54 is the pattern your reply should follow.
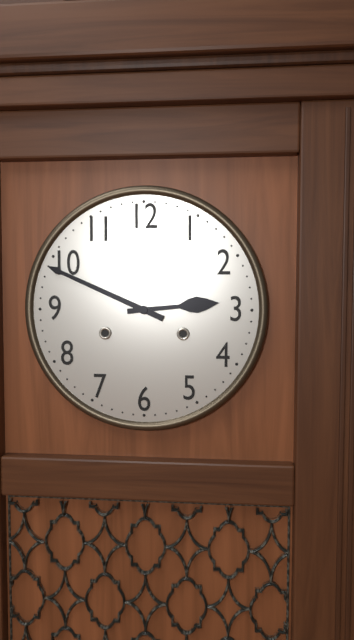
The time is 2:49
